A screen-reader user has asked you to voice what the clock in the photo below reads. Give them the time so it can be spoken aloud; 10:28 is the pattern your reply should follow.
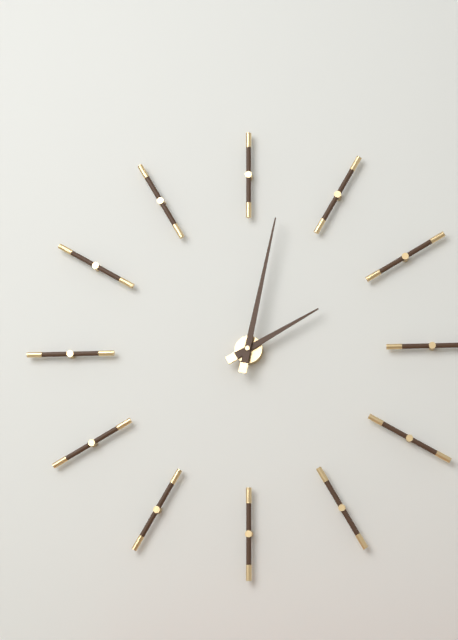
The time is 2:02
